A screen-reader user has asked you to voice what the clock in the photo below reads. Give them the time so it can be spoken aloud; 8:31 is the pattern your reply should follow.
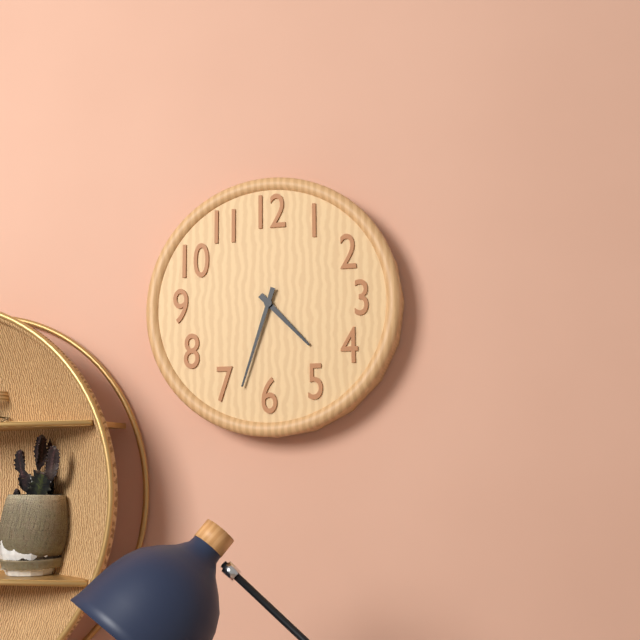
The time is 4:33
